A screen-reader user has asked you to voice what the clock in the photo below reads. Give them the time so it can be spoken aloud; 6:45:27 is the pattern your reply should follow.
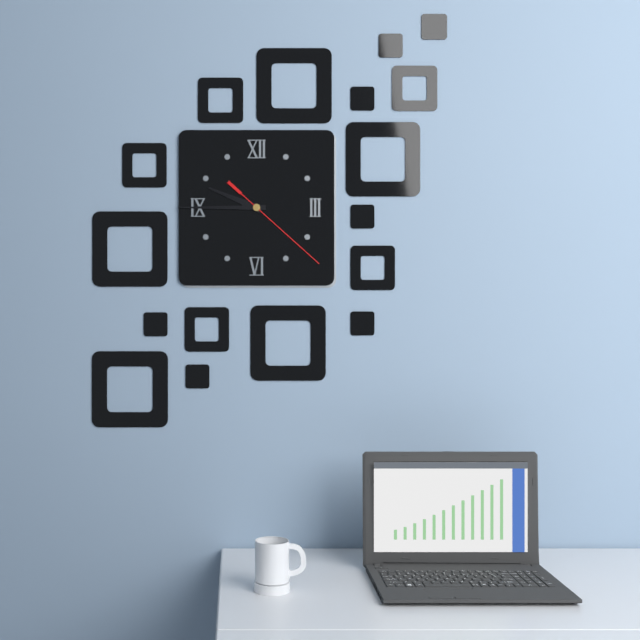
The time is 9:45:22
